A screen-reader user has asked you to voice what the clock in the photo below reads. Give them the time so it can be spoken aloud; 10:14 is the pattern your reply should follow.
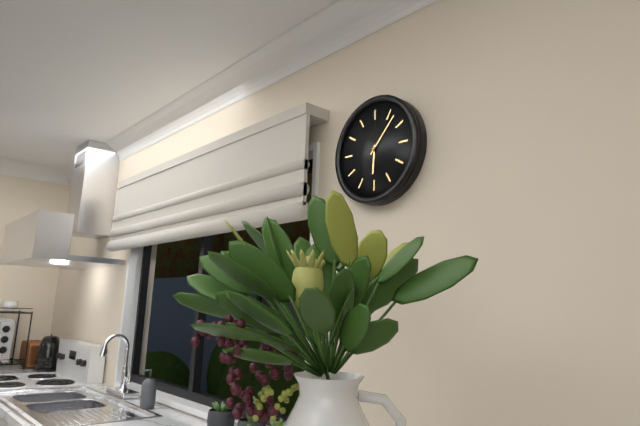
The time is 6:07
